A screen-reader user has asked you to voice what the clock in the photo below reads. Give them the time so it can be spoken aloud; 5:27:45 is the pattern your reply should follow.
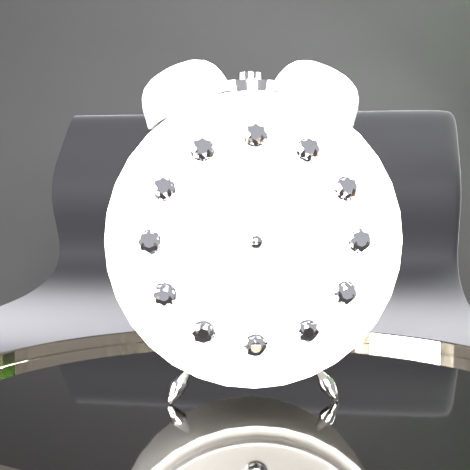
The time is 3:43:41
